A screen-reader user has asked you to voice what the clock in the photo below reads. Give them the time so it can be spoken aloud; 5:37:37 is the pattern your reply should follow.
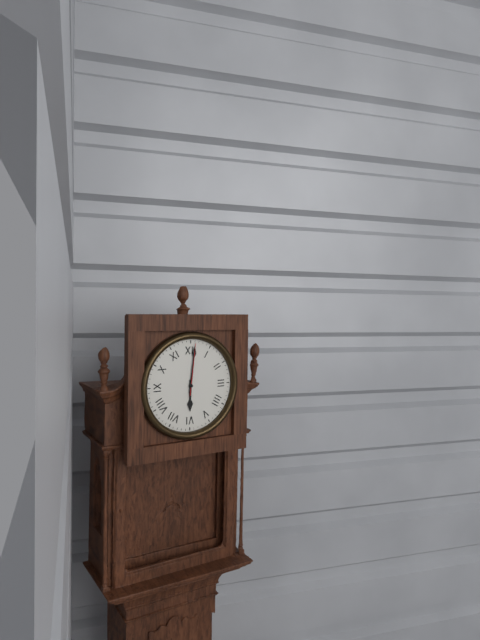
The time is 6:01:01
